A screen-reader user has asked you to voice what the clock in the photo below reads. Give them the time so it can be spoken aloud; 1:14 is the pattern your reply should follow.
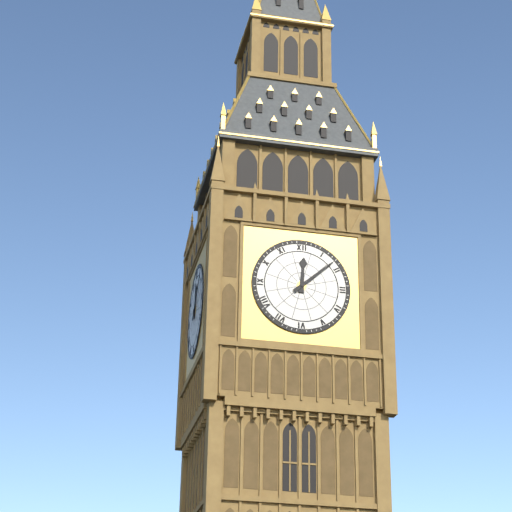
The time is 12:08
